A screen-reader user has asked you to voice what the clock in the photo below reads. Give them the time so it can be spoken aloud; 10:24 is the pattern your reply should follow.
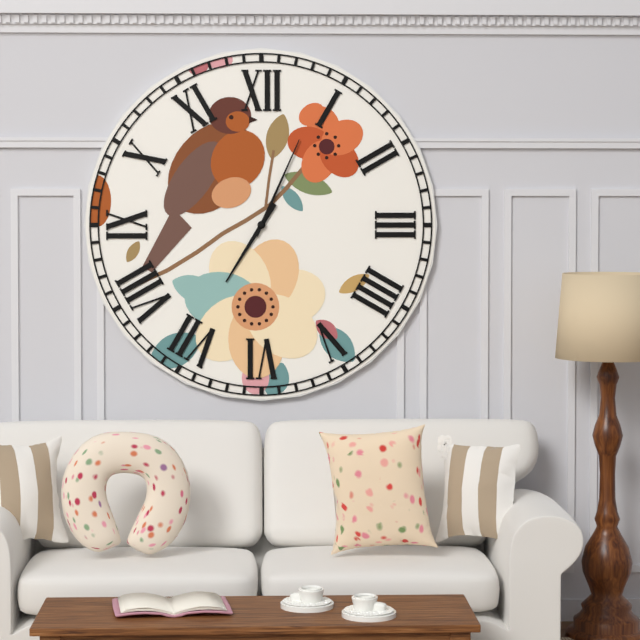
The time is 7:04
